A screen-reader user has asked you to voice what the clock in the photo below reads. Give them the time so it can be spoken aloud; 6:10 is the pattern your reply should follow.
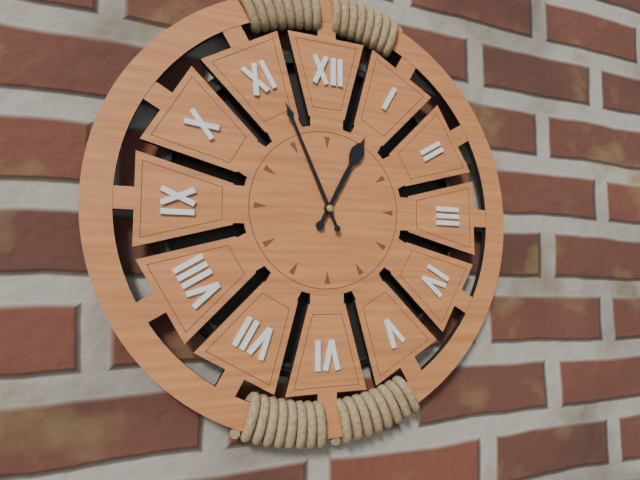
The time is 12:56
